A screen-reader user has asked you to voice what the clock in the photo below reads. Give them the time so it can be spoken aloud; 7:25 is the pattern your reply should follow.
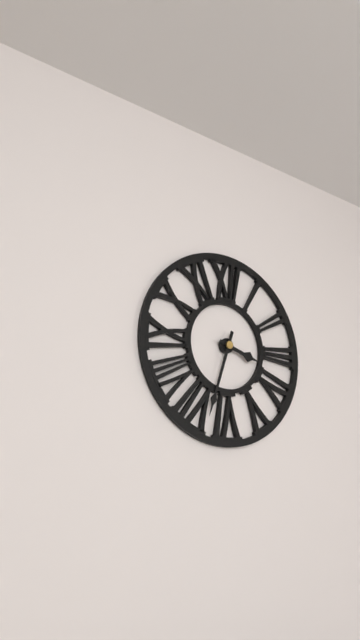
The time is 3:33
